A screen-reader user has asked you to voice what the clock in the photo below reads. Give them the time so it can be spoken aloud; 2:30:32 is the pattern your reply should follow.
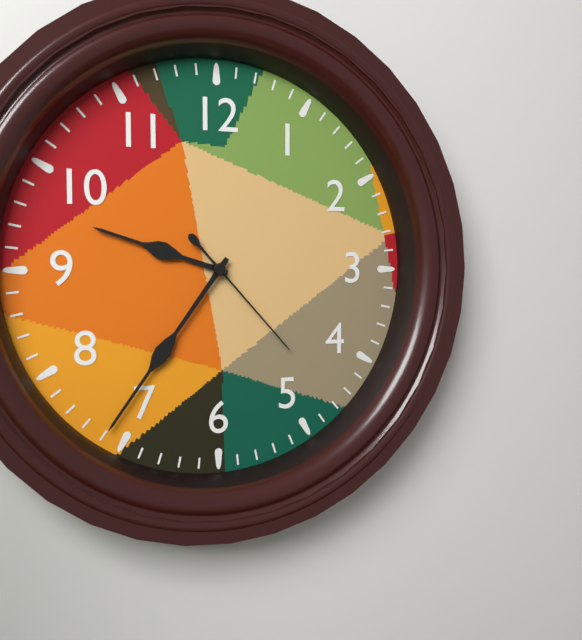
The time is 9:36:23
